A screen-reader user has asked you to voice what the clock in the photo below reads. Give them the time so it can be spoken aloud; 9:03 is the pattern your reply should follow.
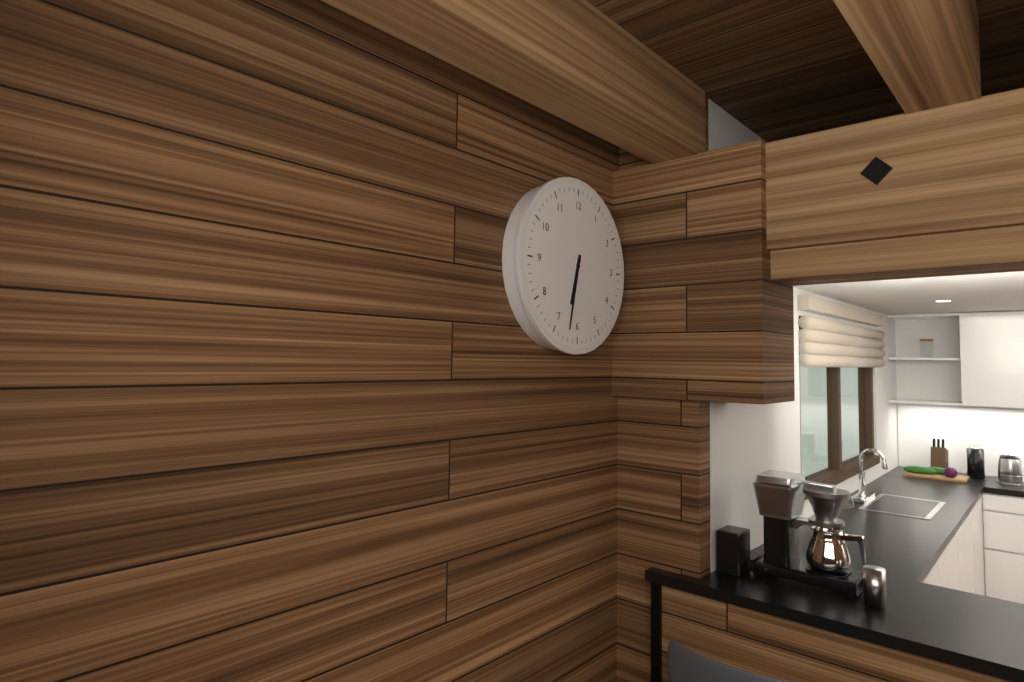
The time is 6:32
